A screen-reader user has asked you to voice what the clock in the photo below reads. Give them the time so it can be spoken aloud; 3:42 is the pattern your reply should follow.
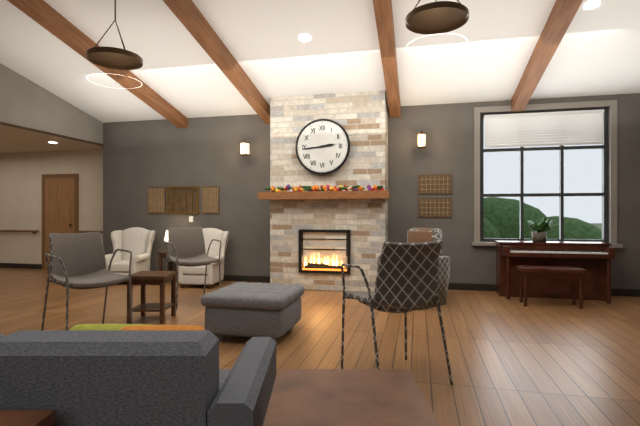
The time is 2:44
